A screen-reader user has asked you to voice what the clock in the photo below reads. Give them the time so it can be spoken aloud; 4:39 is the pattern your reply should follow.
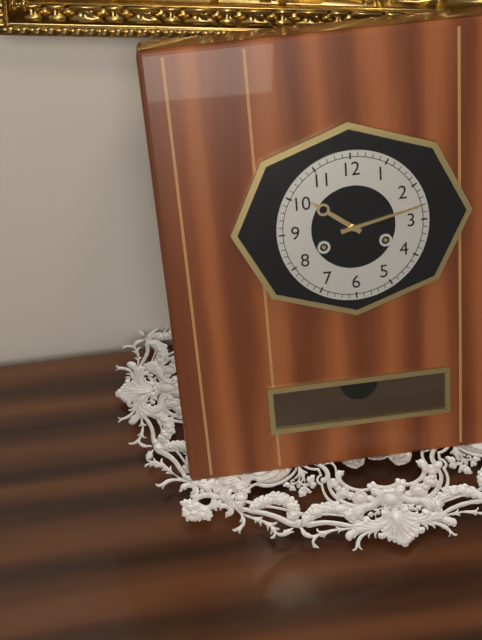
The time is 10:13
